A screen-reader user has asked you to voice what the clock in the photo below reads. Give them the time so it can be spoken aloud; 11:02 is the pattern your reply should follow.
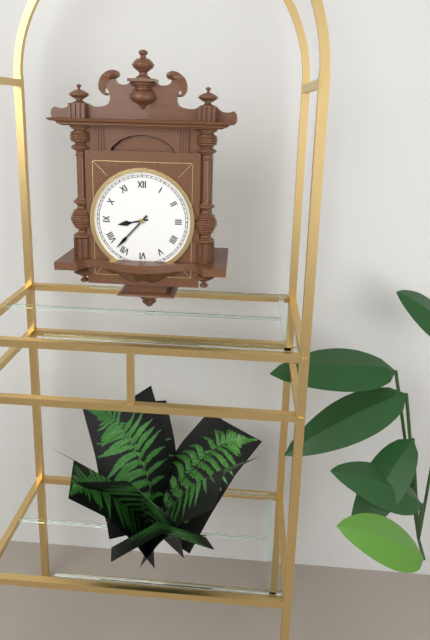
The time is 8:37
